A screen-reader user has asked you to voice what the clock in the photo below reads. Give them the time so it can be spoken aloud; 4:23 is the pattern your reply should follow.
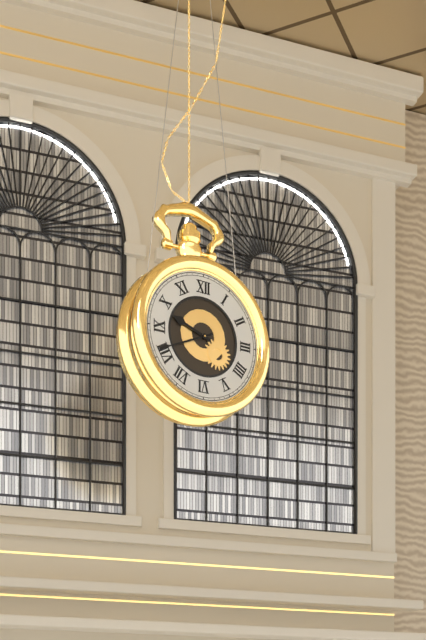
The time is 9:41
